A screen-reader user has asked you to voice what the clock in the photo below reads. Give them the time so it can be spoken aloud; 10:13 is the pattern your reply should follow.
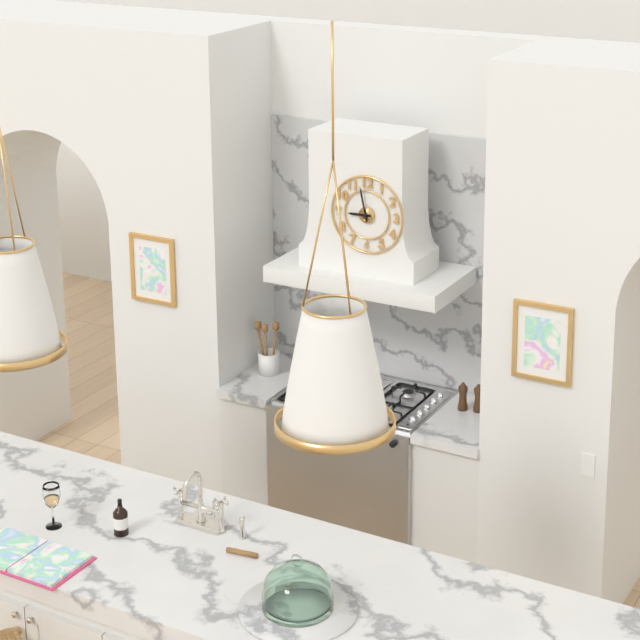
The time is 8:58
